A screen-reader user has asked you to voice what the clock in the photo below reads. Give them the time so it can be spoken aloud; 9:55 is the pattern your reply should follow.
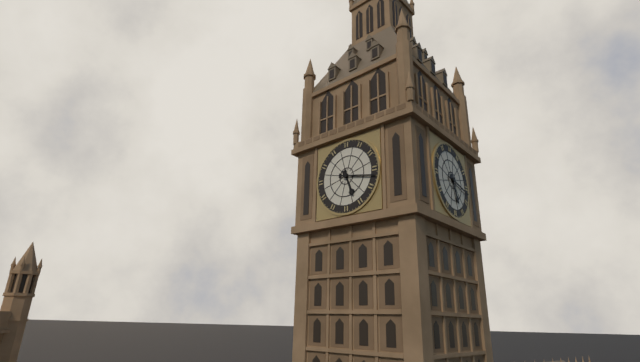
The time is 5:17
